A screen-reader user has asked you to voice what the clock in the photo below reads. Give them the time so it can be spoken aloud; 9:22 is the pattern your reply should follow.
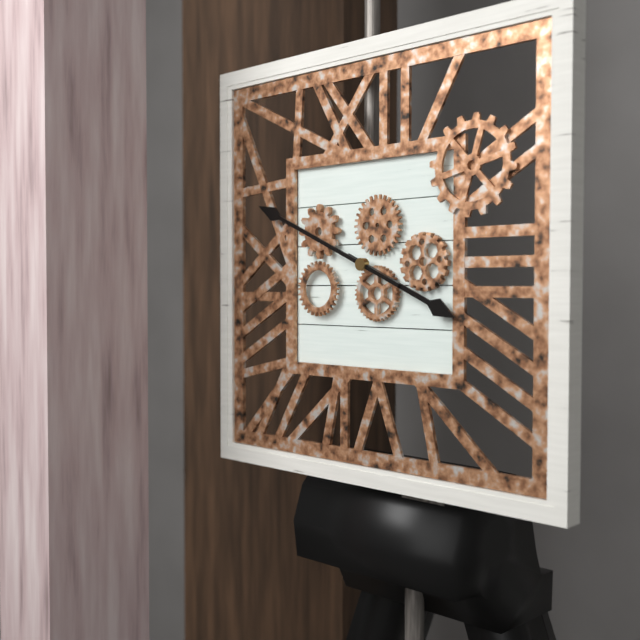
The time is 3:49
